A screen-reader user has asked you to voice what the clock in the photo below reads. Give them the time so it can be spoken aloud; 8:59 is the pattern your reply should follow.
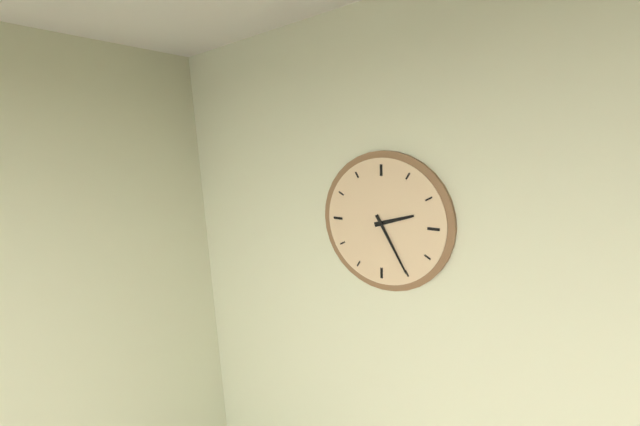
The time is 2:25
